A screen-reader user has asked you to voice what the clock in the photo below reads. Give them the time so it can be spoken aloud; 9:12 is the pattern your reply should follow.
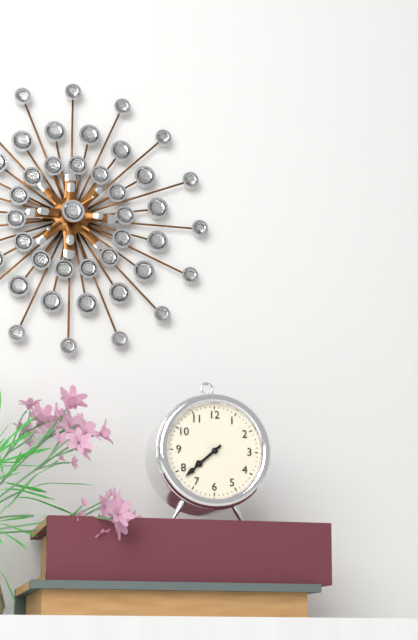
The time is 7:38
